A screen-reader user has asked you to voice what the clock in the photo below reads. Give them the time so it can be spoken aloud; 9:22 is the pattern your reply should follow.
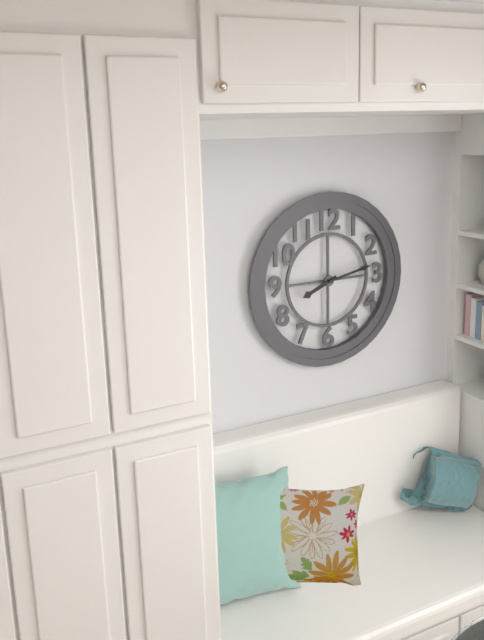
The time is 8:13
